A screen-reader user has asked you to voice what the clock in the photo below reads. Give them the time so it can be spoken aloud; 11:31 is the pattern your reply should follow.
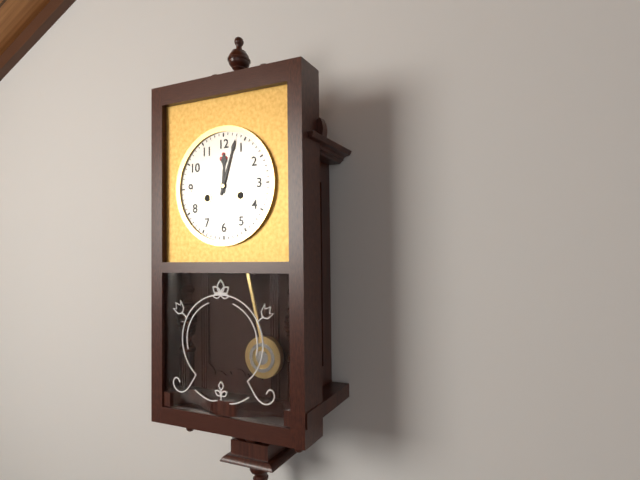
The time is 12:03
